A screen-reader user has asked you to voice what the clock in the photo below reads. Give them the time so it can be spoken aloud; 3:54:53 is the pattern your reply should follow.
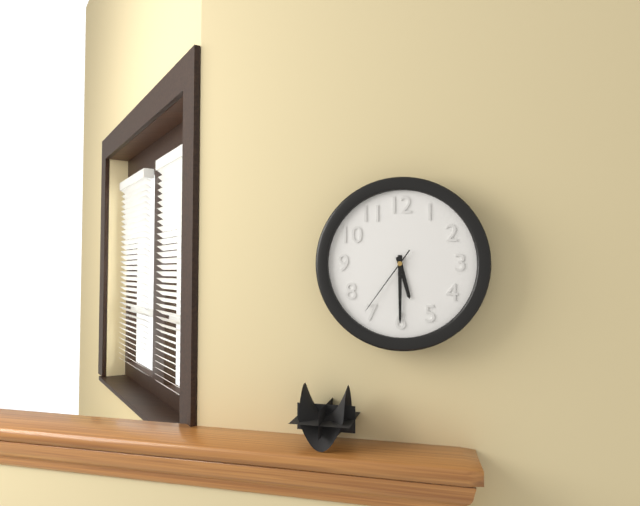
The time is 5:30:36
